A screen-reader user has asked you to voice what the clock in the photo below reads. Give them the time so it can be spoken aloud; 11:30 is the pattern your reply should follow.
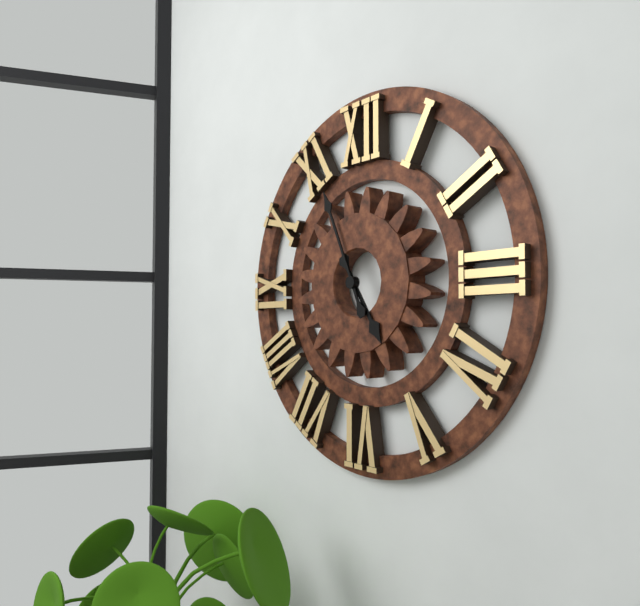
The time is 4:56
